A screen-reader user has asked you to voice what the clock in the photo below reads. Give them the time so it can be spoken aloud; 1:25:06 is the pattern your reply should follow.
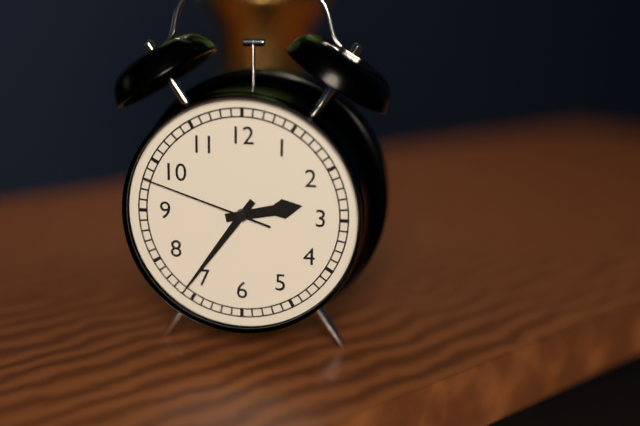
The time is 2:36:48
